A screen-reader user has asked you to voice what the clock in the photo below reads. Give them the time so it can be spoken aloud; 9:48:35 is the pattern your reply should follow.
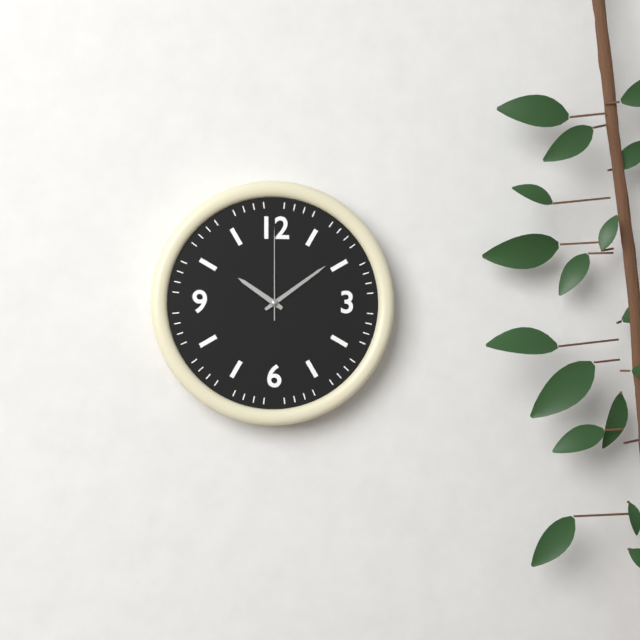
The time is 10:09:00
